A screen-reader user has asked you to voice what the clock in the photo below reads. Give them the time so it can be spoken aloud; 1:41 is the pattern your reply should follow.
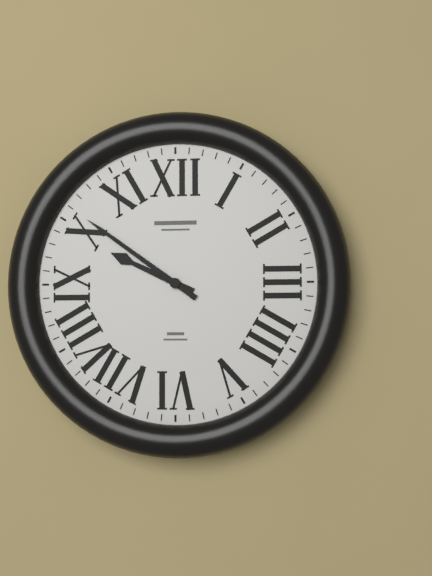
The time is 9:51
